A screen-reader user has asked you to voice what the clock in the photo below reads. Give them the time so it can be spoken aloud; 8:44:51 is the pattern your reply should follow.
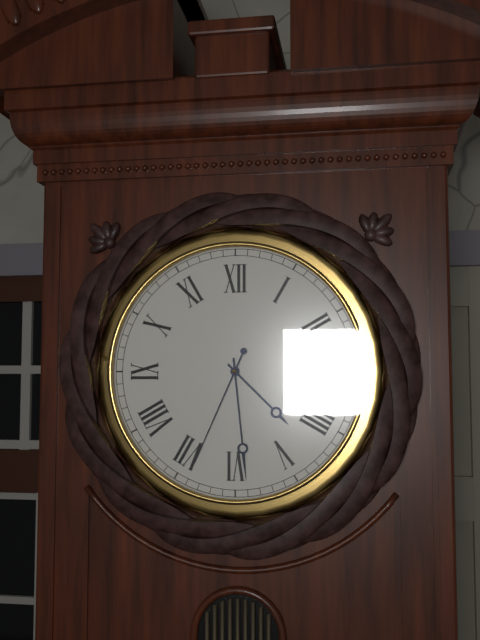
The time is 4:29:34
